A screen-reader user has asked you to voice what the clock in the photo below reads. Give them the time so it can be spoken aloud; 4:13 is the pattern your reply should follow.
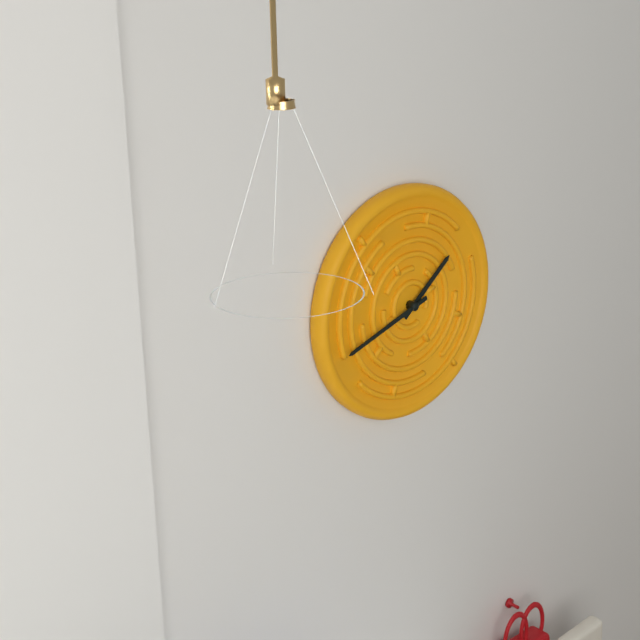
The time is 1:42
